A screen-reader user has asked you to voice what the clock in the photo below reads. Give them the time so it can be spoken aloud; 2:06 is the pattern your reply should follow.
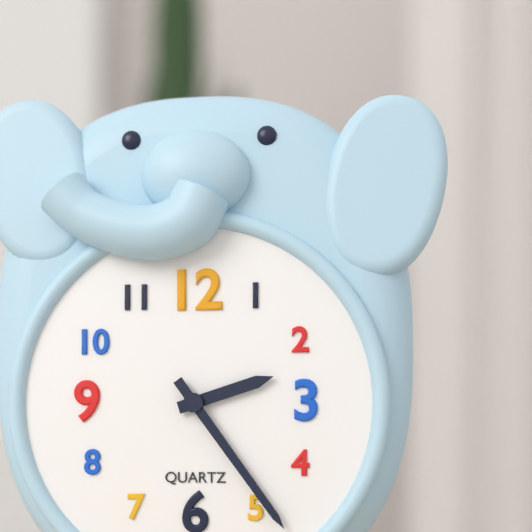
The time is 2:24
